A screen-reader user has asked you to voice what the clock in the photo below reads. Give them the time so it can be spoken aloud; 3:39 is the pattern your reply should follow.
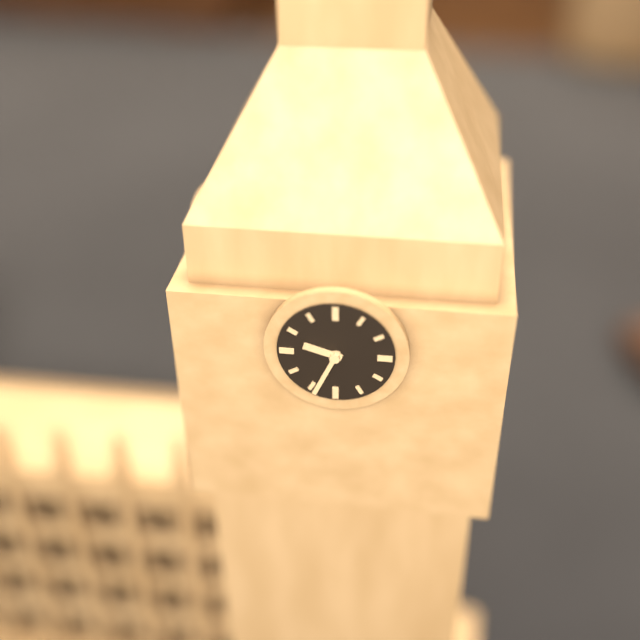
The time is 9:34
